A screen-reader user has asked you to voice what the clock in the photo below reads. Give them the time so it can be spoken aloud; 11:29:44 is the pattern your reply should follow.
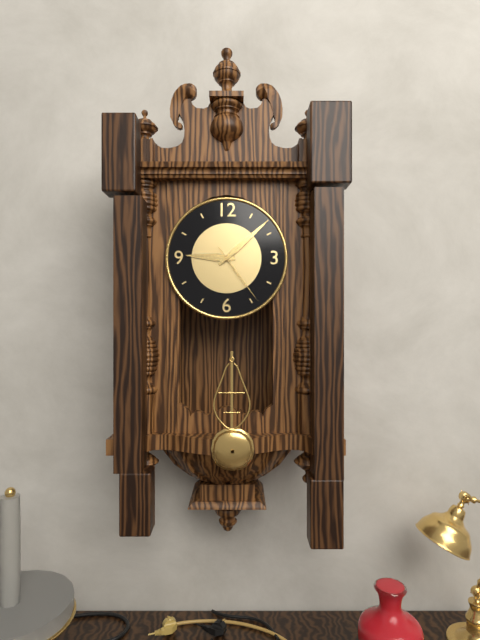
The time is 9:08:24
